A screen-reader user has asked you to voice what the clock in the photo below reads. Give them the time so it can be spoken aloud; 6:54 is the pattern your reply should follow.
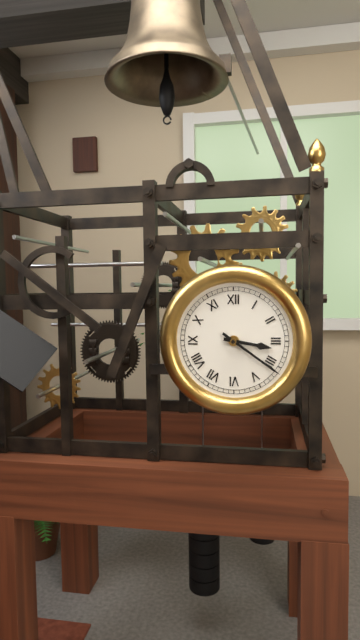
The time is 3:21
